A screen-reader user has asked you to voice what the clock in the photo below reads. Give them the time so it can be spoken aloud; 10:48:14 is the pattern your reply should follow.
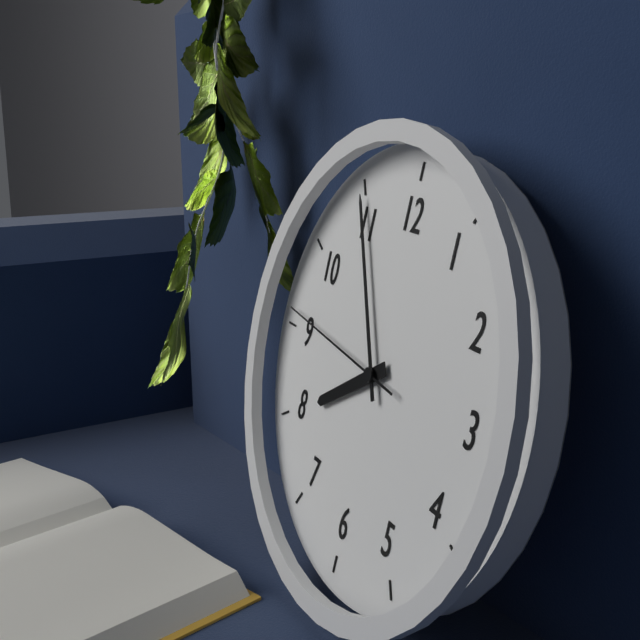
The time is 7:55:46
